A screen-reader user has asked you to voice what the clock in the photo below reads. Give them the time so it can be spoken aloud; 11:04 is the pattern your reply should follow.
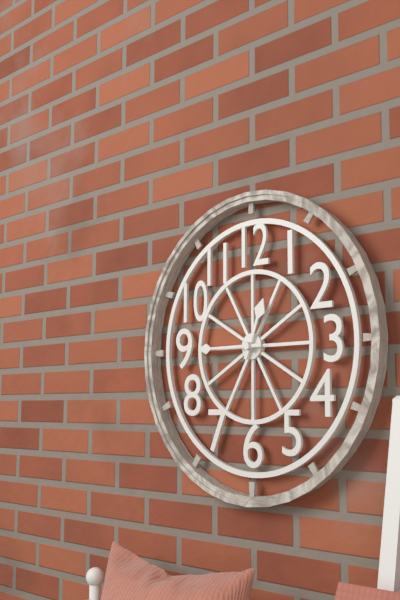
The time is 12:45
